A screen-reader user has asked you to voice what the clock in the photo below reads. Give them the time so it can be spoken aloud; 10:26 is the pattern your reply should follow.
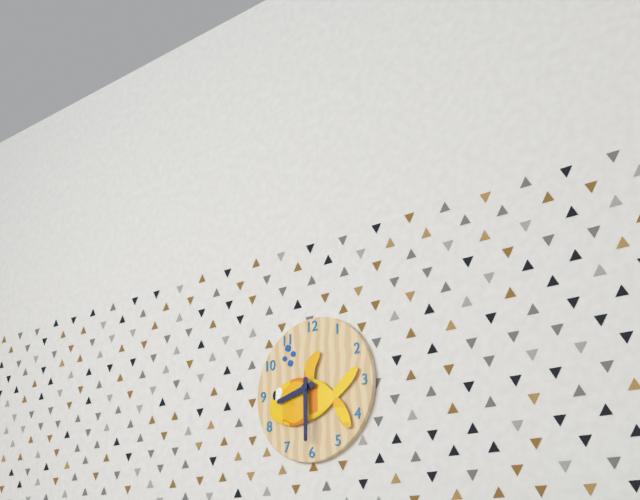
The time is 8:30
